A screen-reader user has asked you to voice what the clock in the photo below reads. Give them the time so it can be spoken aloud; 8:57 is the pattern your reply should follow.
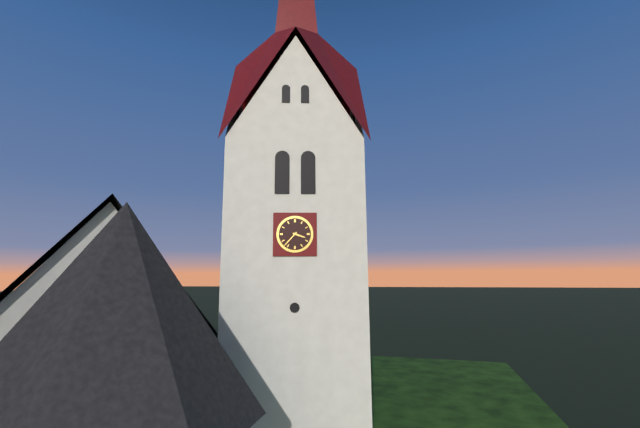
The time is 3:37
